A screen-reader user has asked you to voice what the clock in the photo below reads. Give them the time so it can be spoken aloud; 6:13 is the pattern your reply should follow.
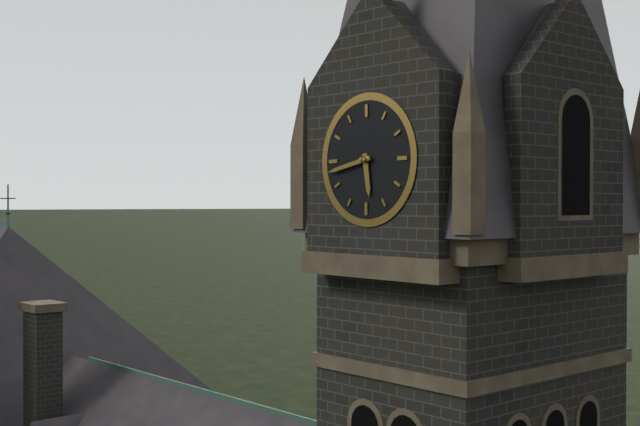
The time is 5:43
